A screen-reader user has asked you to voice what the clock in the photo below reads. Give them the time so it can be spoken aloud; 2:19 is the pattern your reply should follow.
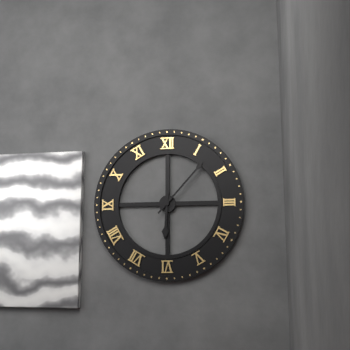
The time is 6:07
